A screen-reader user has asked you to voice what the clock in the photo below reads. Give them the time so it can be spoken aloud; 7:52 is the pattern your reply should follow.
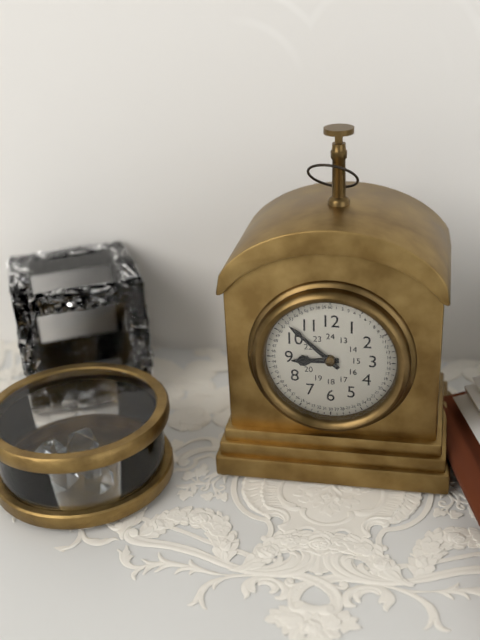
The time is 8:52
